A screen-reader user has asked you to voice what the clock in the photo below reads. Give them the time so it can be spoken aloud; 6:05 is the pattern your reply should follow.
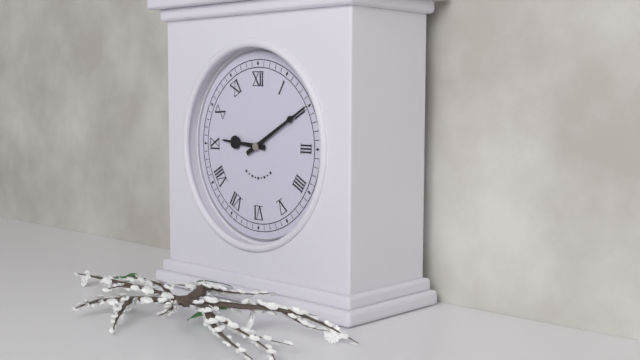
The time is 9:10
